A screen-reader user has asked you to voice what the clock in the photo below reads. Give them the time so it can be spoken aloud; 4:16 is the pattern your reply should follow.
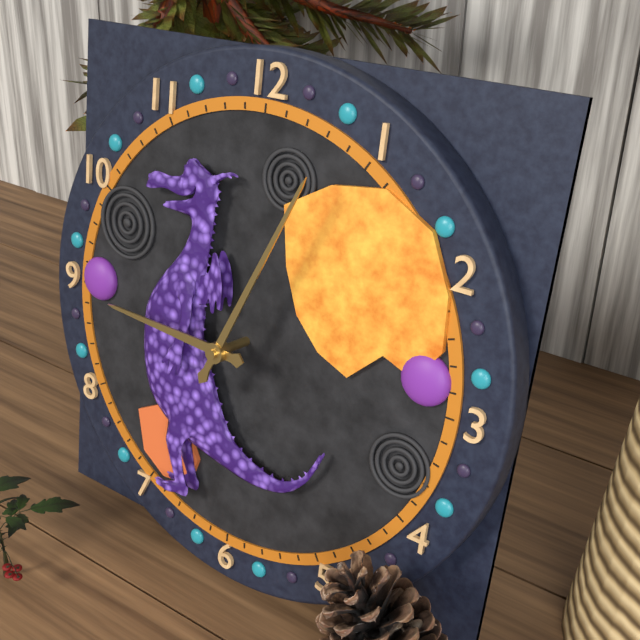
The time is 9:04
